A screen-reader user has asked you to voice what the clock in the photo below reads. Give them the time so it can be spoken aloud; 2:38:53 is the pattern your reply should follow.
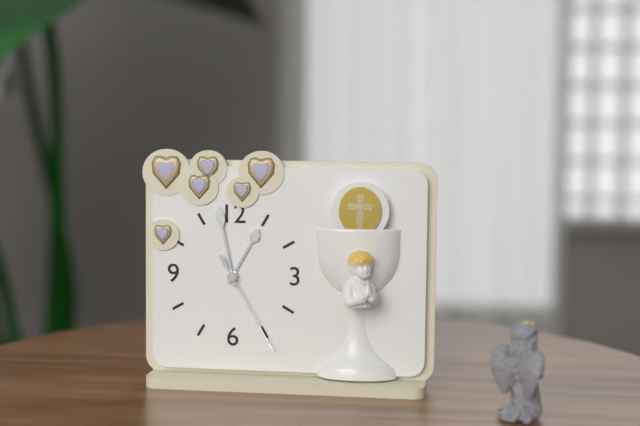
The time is 12:58:25
